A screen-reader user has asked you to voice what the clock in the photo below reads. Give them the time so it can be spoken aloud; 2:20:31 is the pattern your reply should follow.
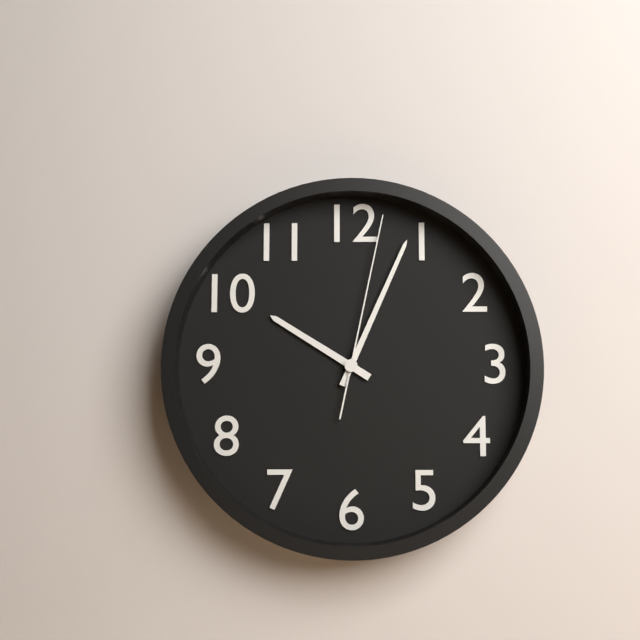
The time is 10:04:02
